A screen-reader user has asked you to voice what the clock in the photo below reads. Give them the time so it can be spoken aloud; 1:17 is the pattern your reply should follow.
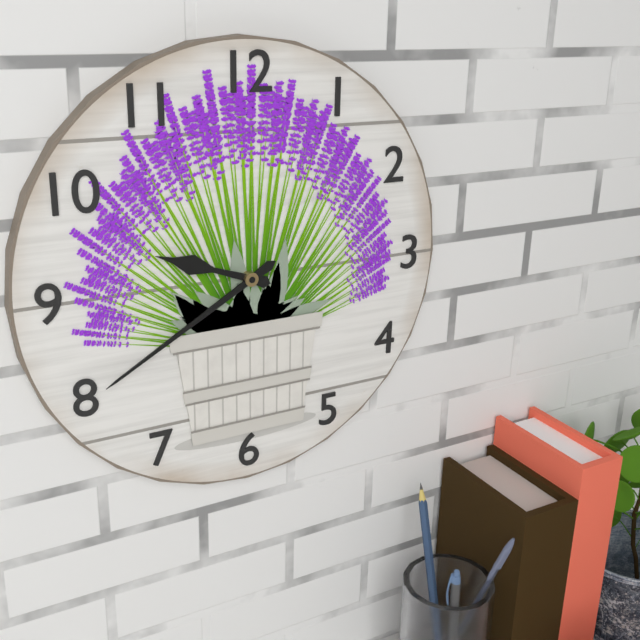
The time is 9:40
